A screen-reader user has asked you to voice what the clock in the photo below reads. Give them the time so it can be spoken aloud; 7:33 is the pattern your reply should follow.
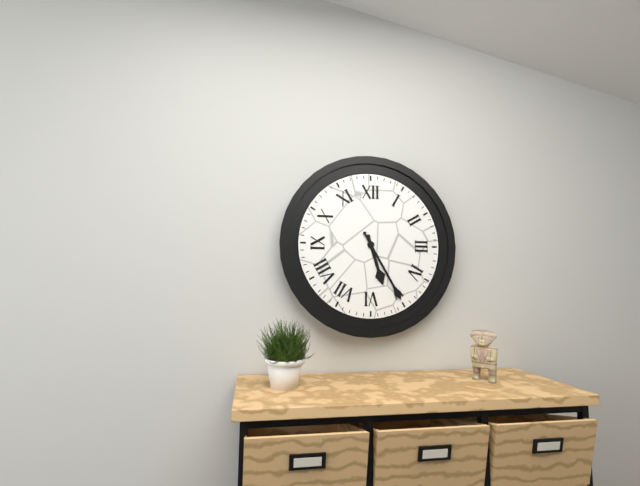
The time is 5:25
